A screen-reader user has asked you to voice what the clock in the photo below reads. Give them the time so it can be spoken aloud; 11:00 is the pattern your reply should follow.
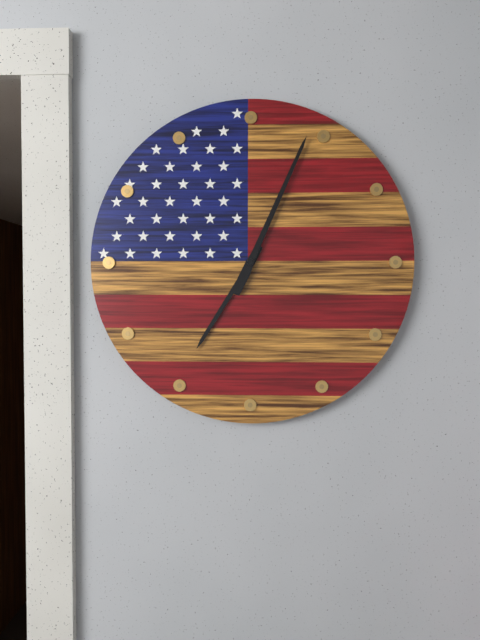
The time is 7:04
